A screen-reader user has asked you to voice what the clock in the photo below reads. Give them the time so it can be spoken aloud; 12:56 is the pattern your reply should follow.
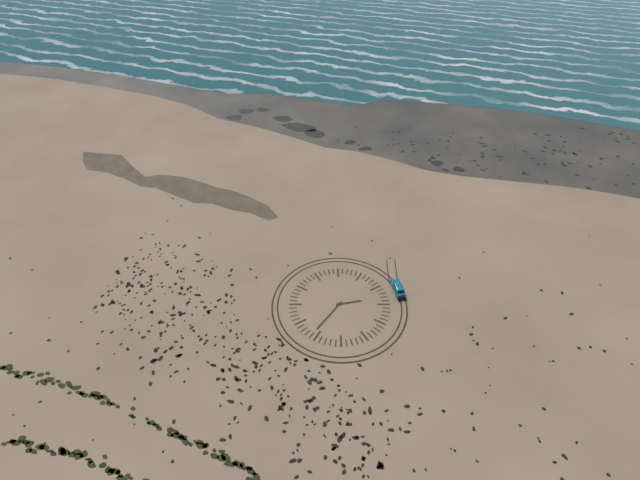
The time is 2:36
